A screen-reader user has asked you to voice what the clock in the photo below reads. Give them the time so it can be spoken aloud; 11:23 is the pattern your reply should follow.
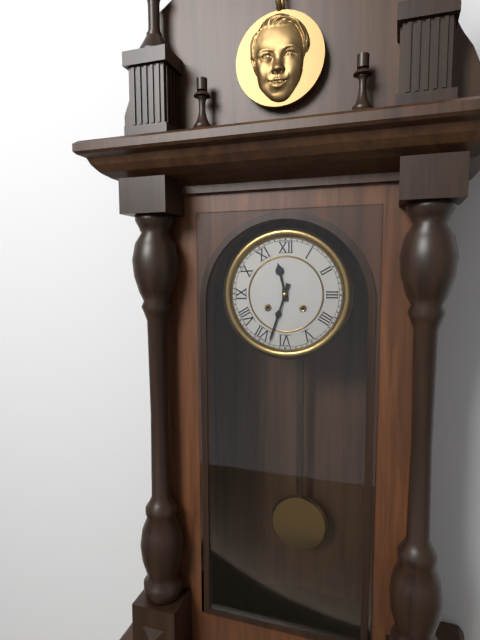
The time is 11:33
